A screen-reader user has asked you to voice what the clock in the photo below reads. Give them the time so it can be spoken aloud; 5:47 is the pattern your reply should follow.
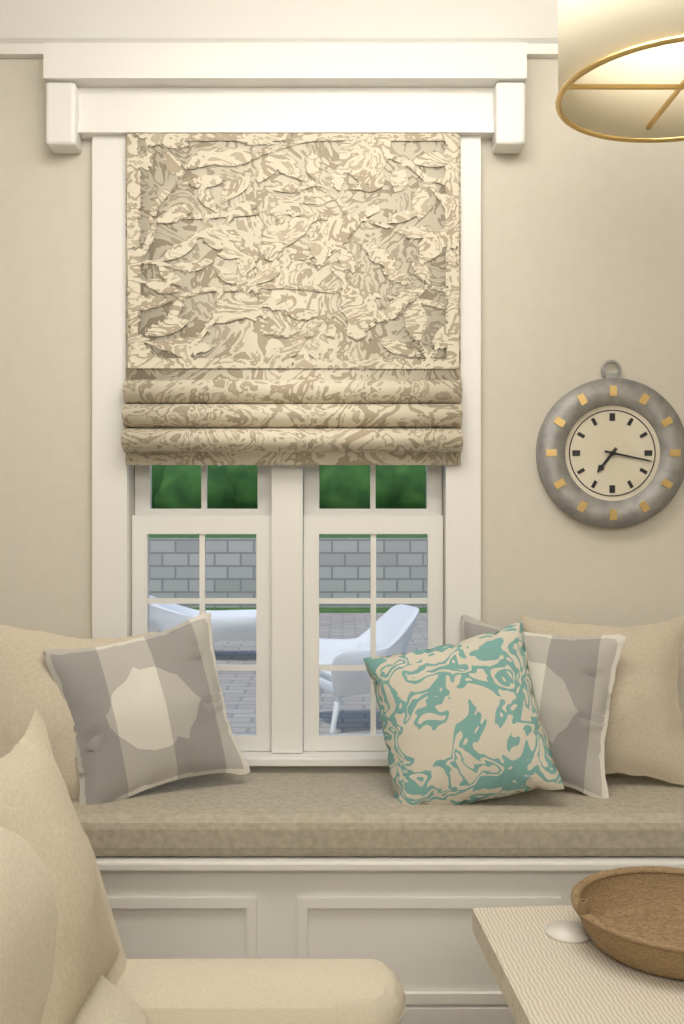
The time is 7:17
